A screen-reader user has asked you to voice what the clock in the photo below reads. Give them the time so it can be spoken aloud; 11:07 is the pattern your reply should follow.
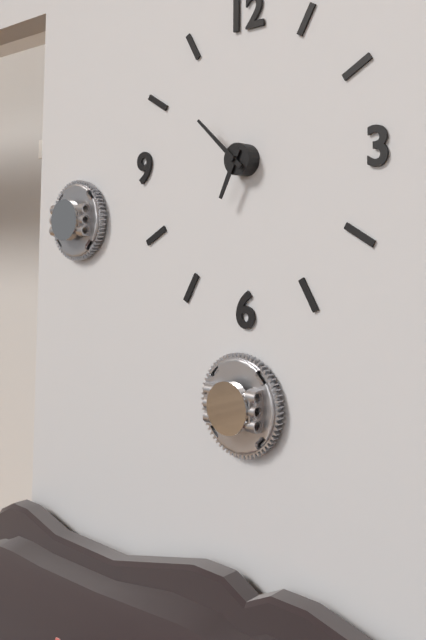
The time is 6:52
